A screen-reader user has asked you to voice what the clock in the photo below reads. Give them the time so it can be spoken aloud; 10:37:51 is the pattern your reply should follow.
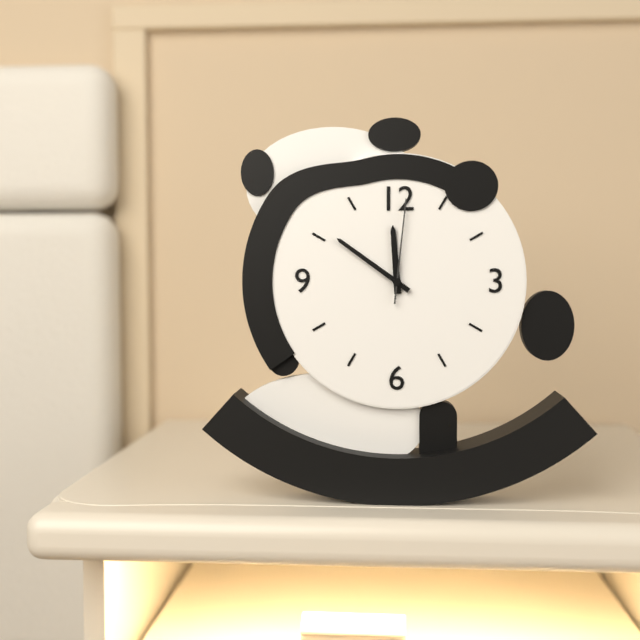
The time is 11:51:01
